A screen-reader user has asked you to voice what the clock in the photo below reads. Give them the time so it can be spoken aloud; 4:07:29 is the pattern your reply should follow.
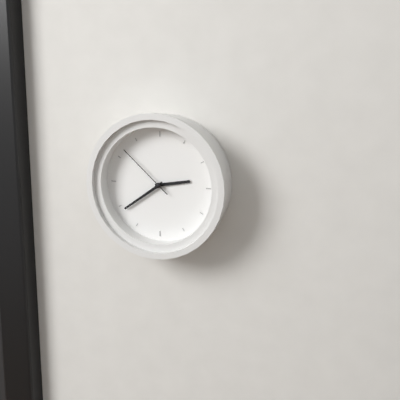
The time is 2:39:52
